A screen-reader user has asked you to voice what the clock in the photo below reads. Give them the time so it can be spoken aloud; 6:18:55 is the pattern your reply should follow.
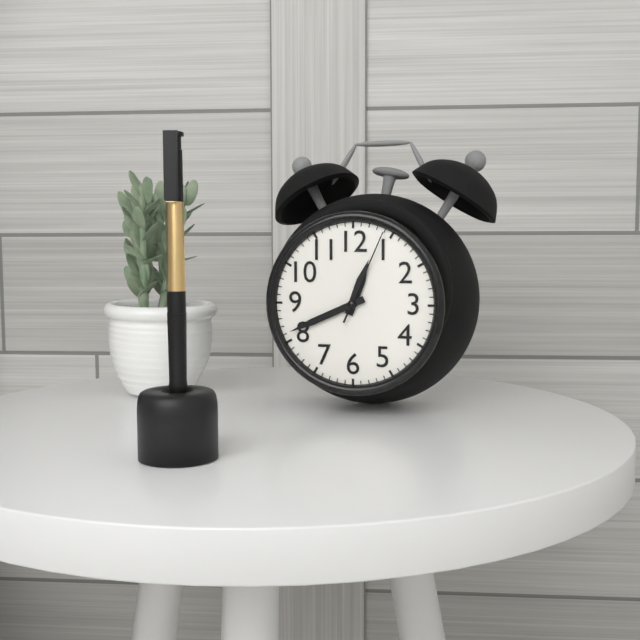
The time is 12:41:04
